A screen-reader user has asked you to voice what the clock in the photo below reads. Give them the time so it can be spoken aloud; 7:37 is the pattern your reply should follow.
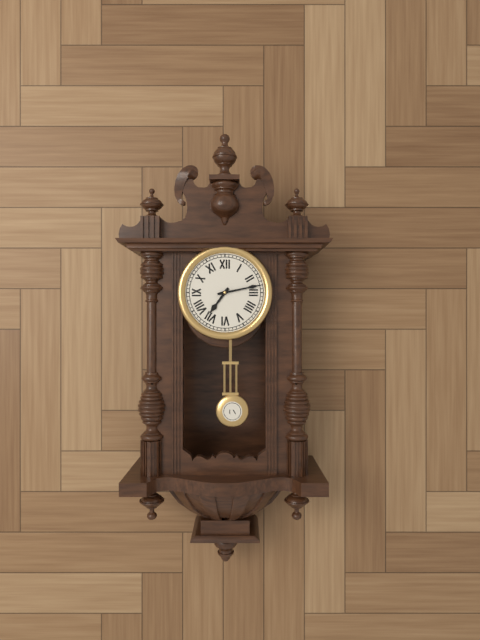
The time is 7:13
